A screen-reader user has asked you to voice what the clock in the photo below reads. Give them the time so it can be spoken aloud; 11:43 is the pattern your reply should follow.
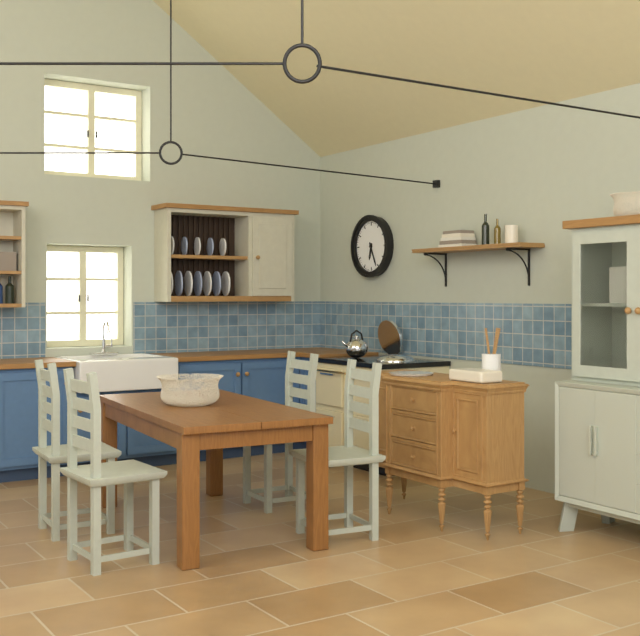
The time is 6:26
